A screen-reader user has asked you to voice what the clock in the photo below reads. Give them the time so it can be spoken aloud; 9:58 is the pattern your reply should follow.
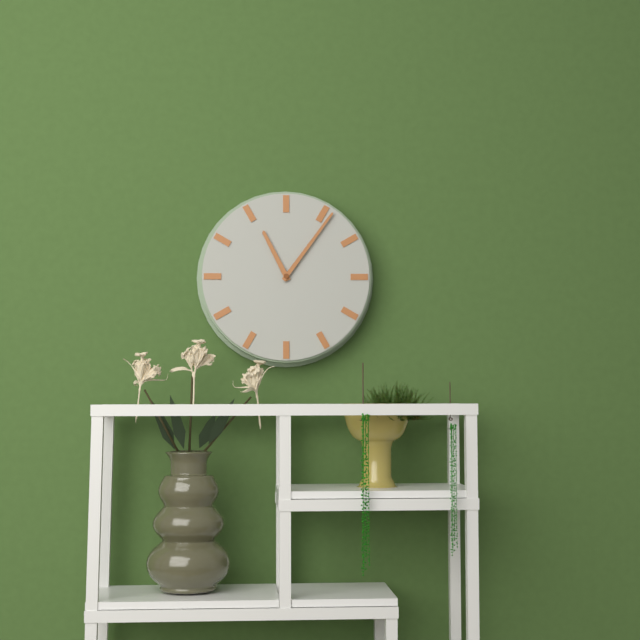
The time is 11:06
